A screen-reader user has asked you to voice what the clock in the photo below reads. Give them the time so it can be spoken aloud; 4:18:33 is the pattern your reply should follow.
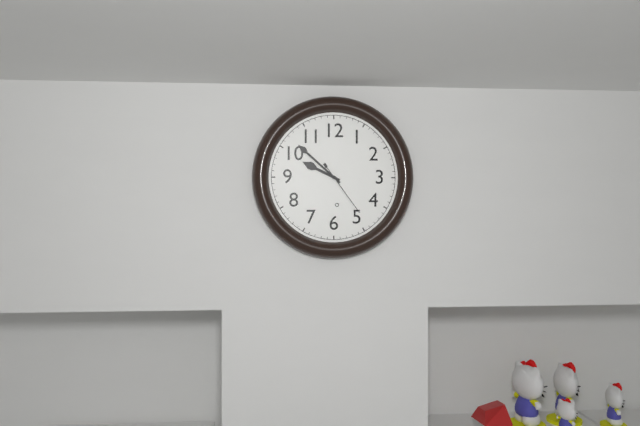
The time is 9:52:24
